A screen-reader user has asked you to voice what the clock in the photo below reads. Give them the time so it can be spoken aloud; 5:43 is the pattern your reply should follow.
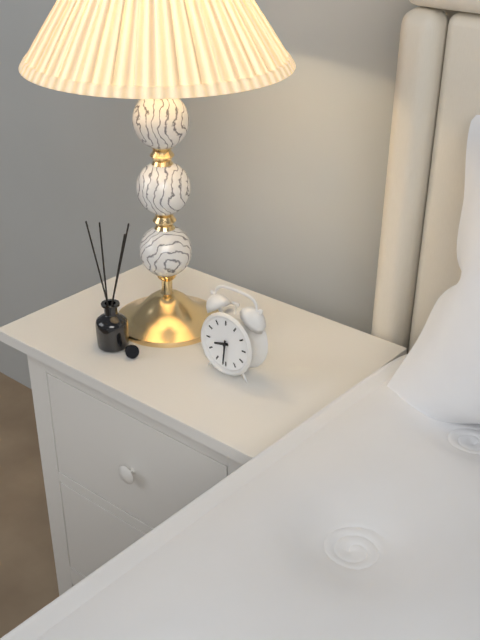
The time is 8:31
